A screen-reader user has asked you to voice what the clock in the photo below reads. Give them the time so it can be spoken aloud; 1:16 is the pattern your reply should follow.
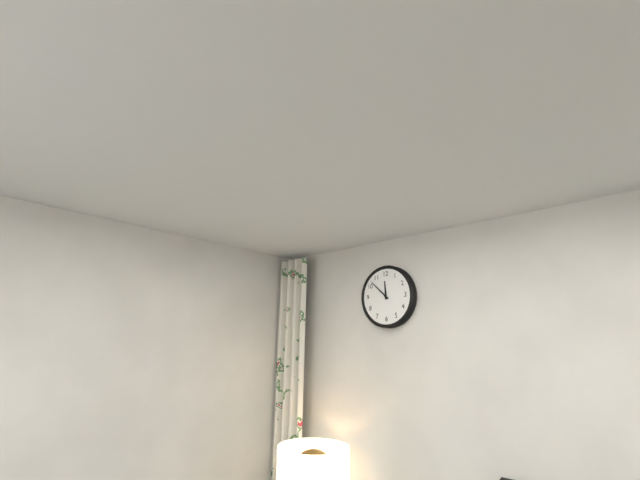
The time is 11:52
